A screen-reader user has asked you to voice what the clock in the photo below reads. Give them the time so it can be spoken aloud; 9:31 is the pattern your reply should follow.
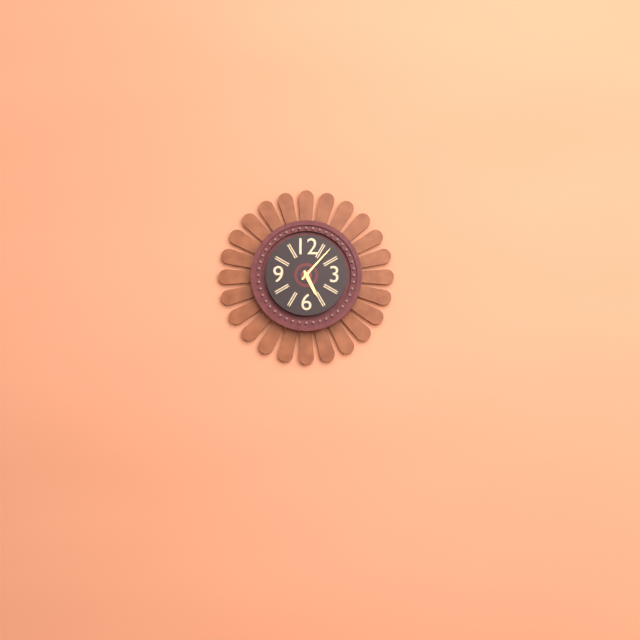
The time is 5:07
